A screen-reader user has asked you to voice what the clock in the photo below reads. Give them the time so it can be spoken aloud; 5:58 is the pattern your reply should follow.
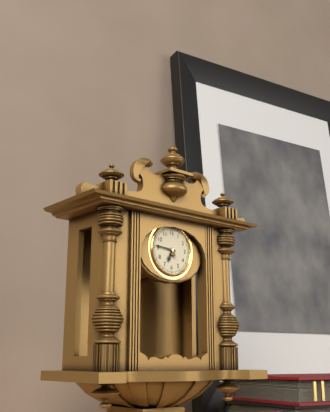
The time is 6:46
